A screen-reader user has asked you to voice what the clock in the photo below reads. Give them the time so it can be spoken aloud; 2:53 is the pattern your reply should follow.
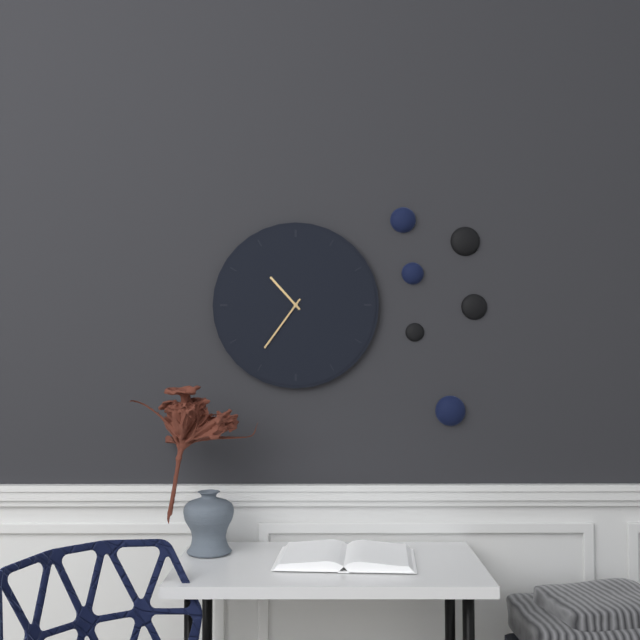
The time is 10:36
